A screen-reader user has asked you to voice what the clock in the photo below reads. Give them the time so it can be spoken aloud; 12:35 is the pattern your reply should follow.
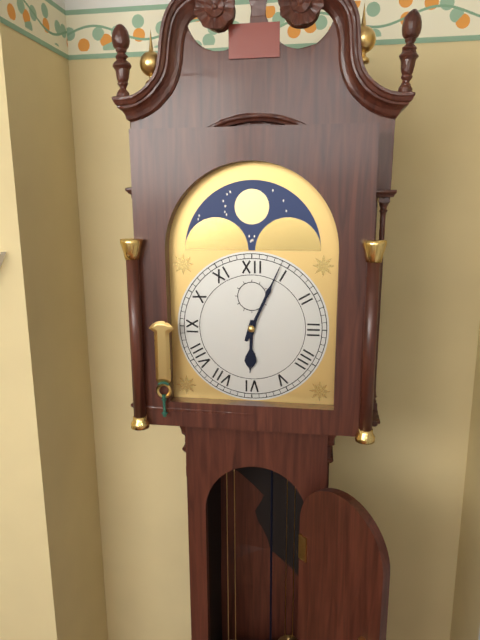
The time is 6:04
